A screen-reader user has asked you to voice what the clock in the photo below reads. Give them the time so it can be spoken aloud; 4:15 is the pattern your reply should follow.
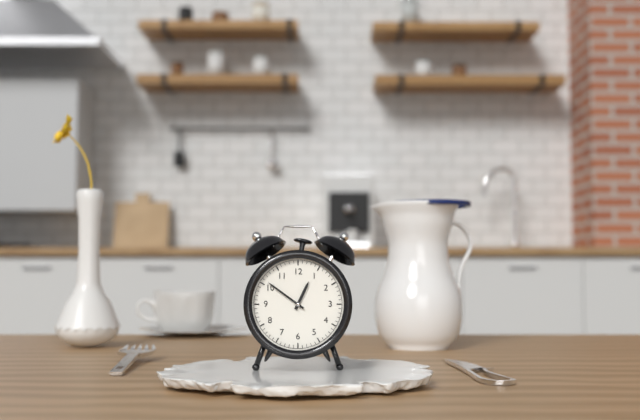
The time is 12:51
